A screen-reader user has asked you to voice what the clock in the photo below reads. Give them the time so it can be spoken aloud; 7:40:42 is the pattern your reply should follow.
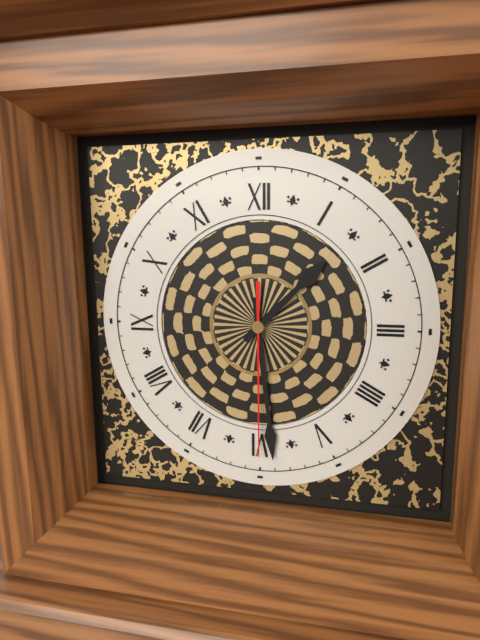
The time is 1:29:30
